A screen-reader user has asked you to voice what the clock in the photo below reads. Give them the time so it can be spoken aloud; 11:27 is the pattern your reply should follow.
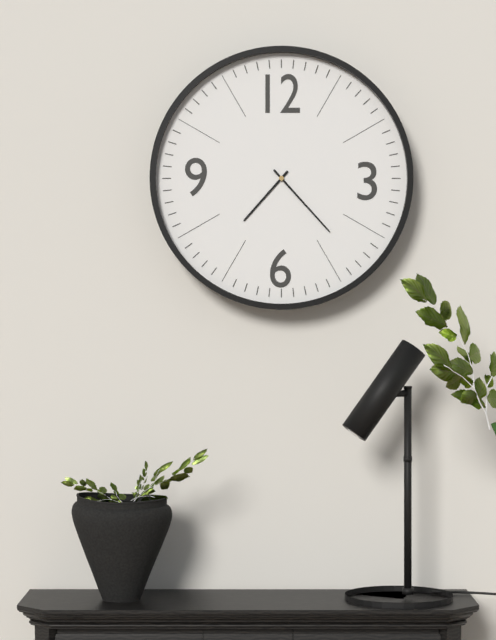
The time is 7:23
